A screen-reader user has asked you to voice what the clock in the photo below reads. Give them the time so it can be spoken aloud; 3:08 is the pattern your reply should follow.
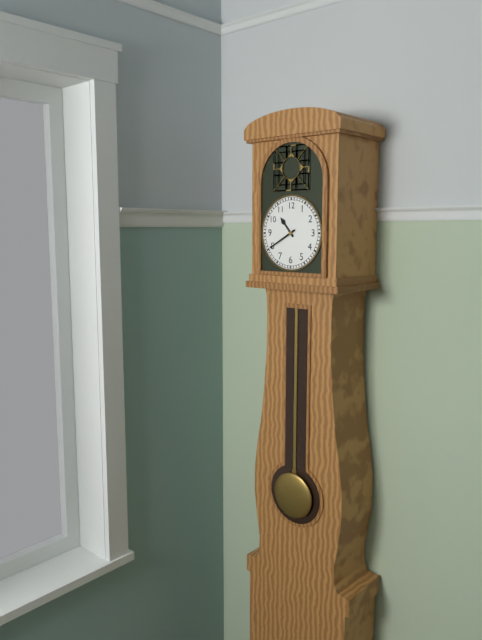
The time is 10:40
